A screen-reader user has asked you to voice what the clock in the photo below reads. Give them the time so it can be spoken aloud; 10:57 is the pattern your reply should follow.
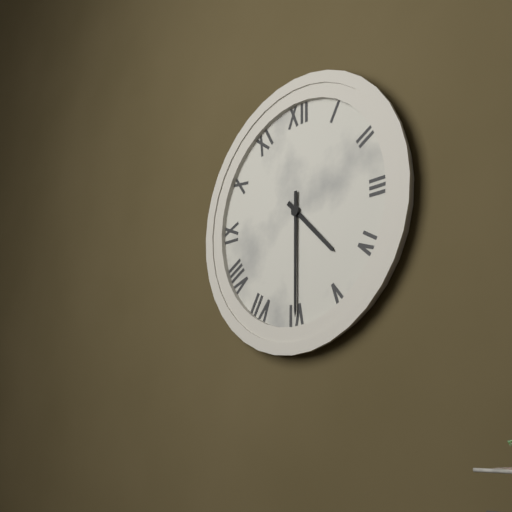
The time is 4:30
